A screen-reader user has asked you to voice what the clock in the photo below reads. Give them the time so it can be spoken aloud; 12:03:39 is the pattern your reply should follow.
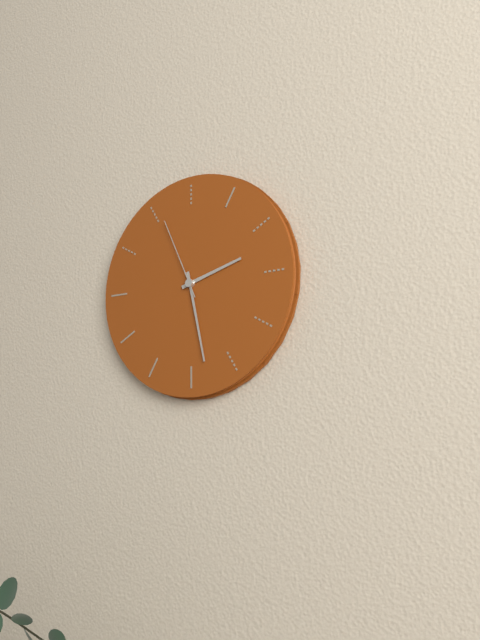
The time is 2:28:56
